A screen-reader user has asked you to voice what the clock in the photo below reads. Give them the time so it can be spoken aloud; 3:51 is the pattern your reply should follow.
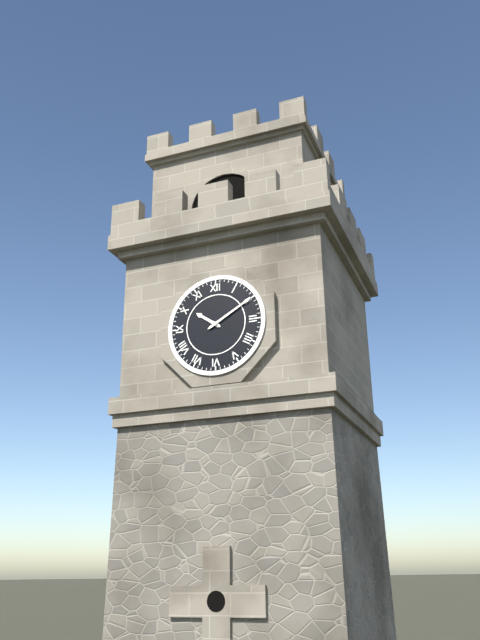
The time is 10:10
